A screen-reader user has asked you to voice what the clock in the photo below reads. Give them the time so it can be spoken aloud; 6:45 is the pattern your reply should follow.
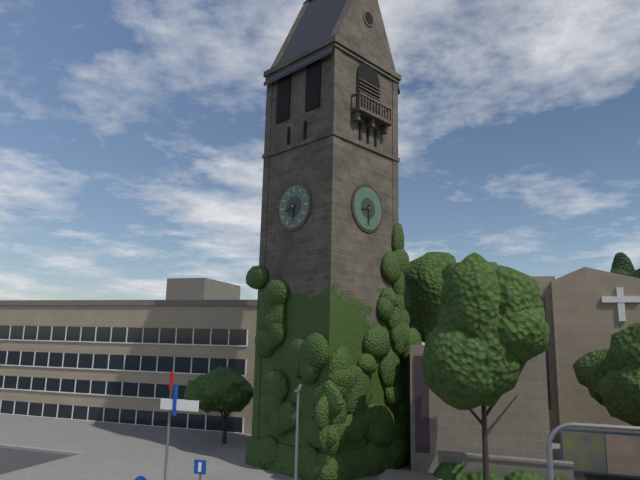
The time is 8:30
